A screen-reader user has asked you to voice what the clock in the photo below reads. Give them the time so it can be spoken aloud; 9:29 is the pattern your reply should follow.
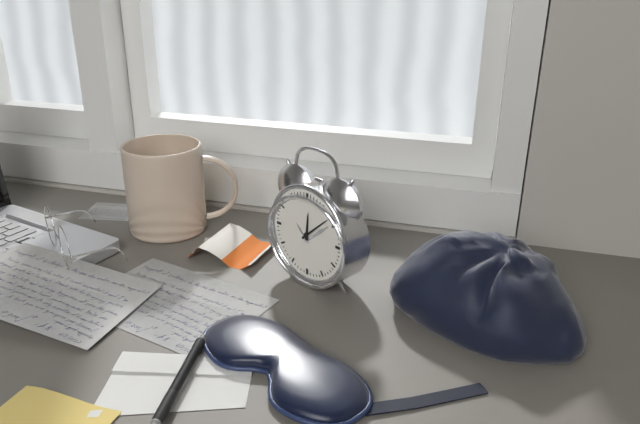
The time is 12:08
